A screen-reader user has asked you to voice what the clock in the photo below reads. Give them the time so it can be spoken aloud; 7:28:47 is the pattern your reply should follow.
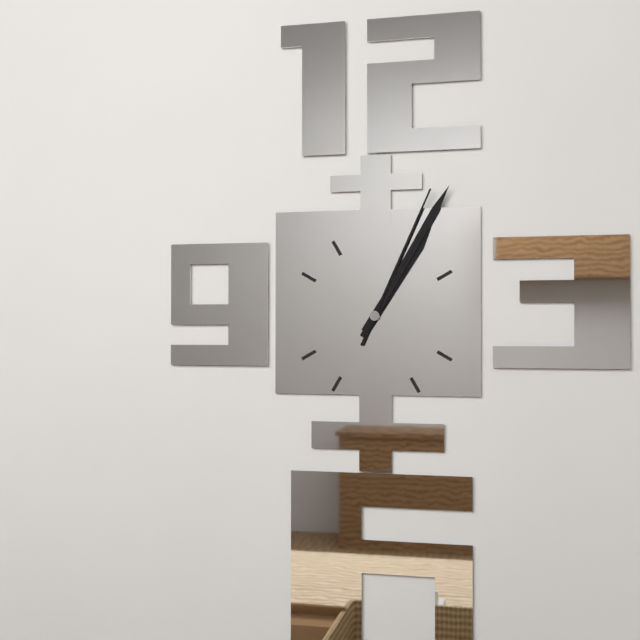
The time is 1:05:04
